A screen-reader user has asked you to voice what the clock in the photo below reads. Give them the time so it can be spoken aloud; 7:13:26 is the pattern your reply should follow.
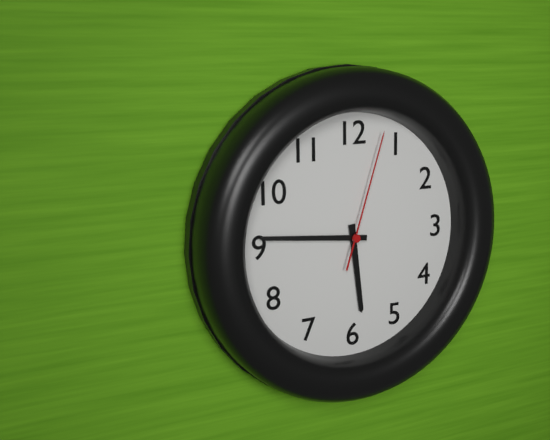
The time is 5:46:03
